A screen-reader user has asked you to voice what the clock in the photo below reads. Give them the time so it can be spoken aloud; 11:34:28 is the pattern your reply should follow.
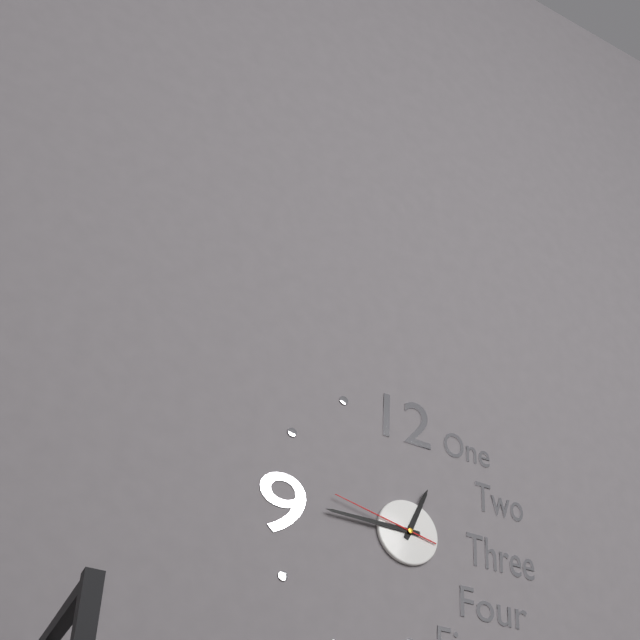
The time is 12:45:47
